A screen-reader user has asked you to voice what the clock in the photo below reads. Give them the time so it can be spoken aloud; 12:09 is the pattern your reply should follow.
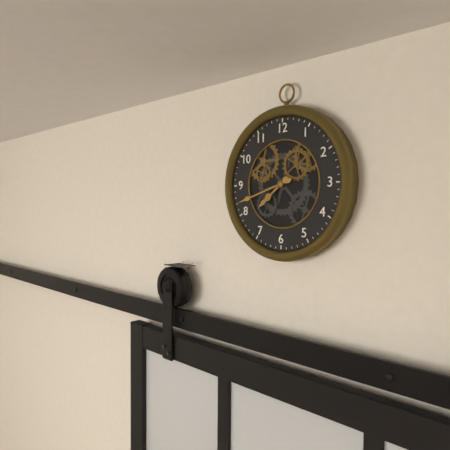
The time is 7:42
